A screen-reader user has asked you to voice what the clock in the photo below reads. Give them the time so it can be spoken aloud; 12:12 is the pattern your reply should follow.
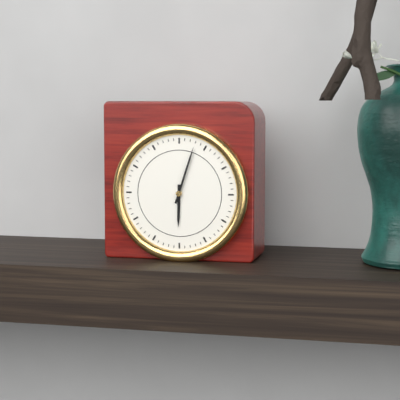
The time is 6:03
